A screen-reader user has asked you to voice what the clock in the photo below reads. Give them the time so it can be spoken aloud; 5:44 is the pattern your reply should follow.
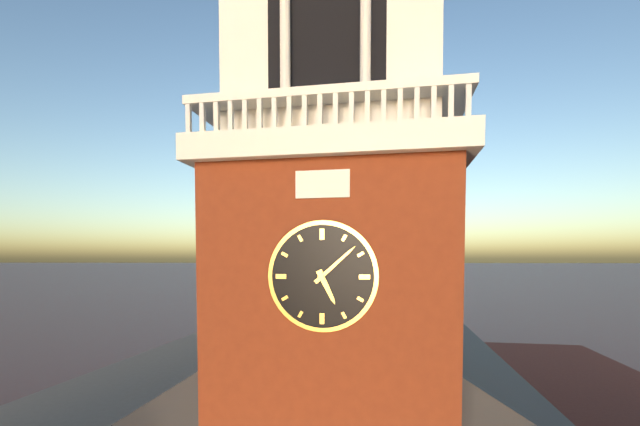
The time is 5:08
